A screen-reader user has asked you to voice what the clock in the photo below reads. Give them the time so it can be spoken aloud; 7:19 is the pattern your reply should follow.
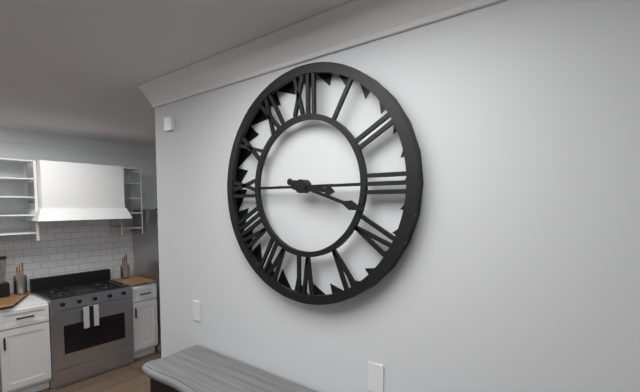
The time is 3:18
